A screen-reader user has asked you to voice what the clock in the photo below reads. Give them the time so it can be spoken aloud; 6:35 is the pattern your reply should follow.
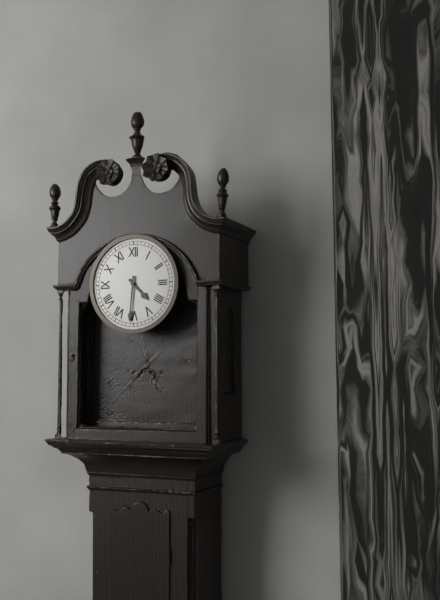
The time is 4:31
